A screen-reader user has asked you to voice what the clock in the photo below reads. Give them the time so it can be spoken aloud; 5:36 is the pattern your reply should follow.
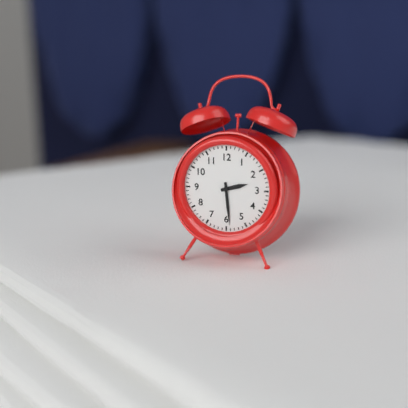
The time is 2:29
